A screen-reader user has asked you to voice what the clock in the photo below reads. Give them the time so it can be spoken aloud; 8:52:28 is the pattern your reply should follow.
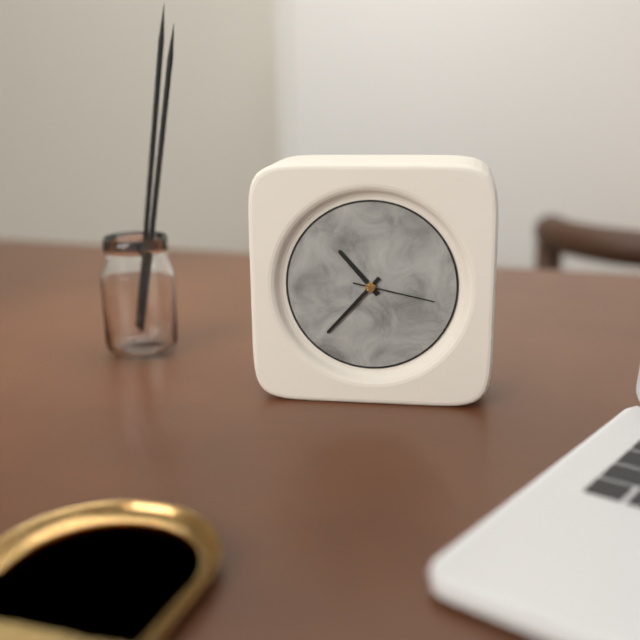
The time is 10:37:17
